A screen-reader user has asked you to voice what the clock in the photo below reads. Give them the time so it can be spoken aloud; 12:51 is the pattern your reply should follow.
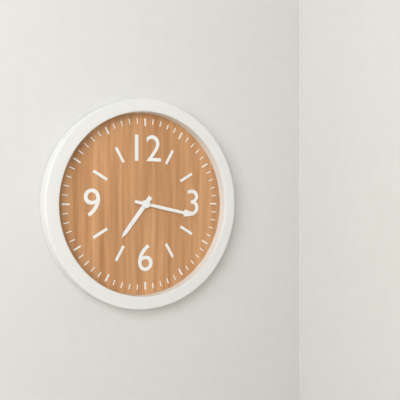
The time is 7:17
